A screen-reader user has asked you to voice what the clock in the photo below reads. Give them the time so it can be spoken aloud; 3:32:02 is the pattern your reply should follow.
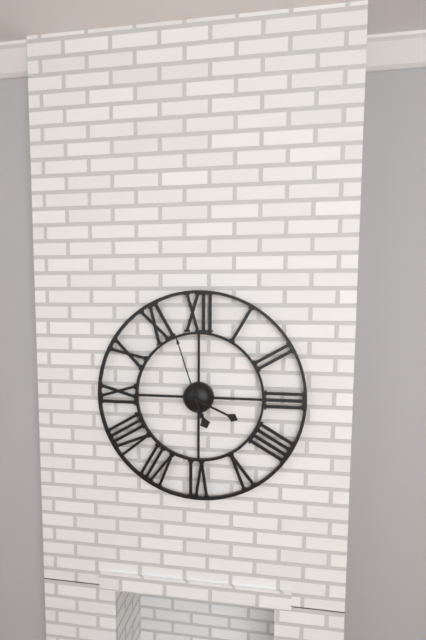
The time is 5:19:57
